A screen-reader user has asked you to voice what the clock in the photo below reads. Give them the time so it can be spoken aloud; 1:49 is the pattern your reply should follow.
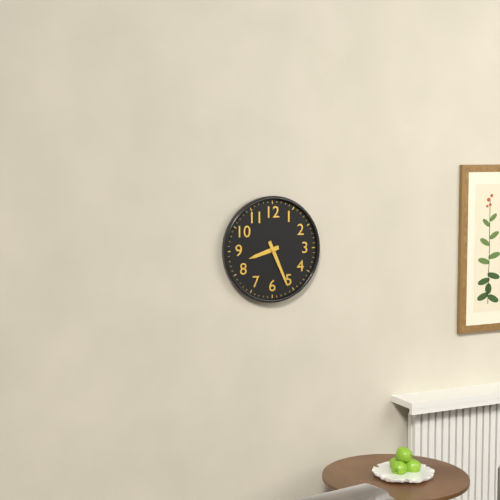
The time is 8:26
